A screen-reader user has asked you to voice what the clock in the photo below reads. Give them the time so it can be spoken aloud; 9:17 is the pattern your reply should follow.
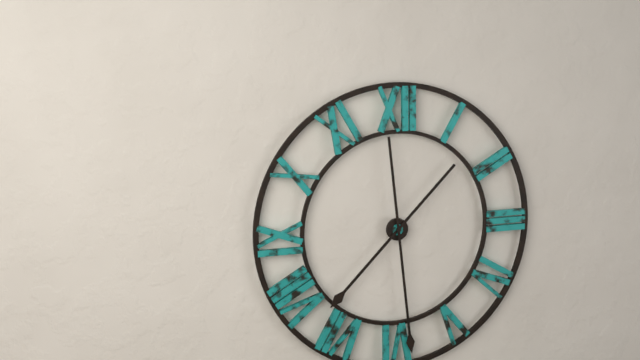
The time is 7:29
